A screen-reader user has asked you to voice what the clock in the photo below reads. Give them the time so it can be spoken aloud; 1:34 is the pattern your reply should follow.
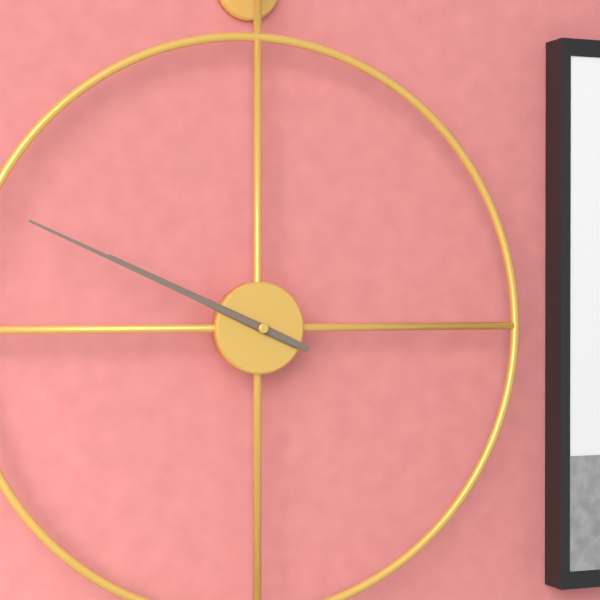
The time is 9:49
